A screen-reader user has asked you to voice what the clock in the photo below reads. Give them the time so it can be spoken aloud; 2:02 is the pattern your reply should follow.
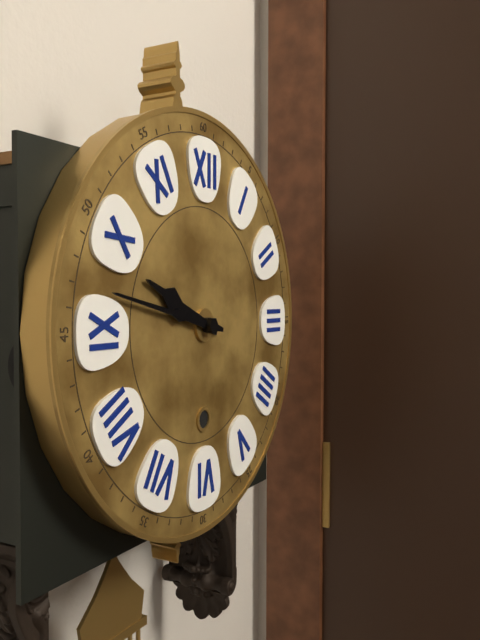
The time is 9:47
